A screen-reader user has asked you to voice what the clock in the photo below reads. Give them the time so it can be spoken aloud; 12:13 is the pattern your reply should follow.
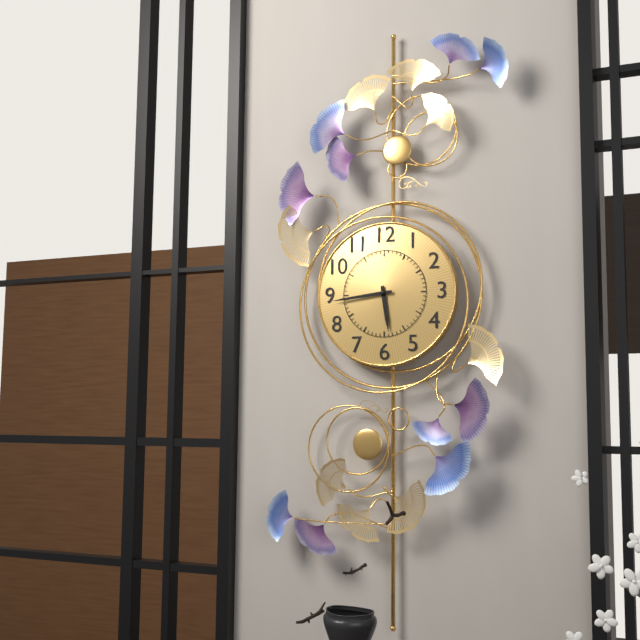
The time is 5:44
